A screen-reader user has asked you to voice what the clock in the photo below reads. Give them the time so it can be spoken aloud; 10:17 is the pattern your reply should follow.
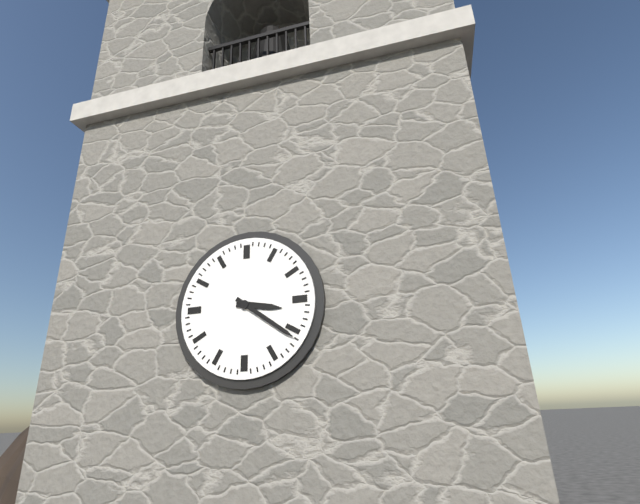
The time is 3:21
